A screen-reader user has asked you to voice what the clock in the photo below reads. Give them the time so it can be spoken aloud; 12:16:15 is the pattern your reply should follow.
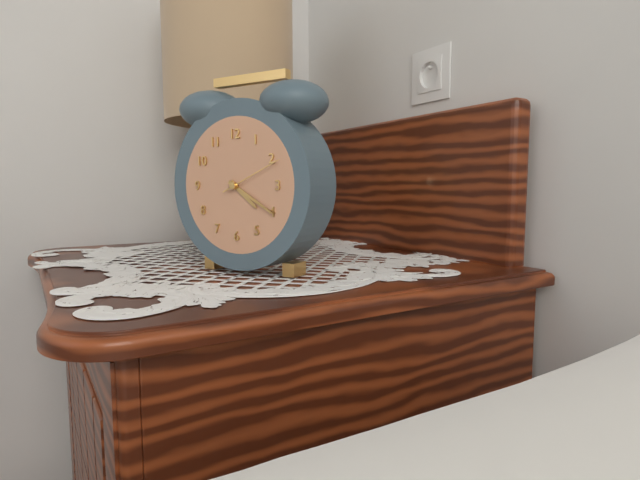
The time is 4:20:11
